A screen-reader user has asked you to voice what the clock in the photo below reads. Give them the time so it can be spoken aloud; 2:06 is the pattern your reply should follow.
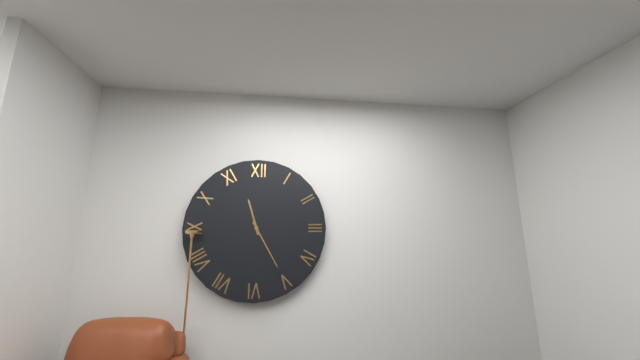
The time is 11:25
